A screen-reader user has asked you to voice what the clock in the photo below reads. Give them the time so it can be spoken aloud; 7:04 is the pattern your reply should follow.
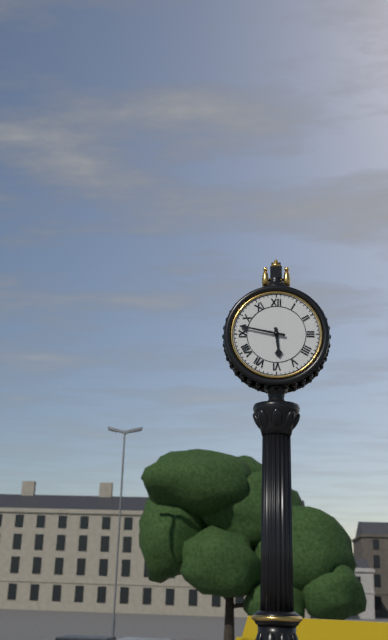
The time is 5:47
